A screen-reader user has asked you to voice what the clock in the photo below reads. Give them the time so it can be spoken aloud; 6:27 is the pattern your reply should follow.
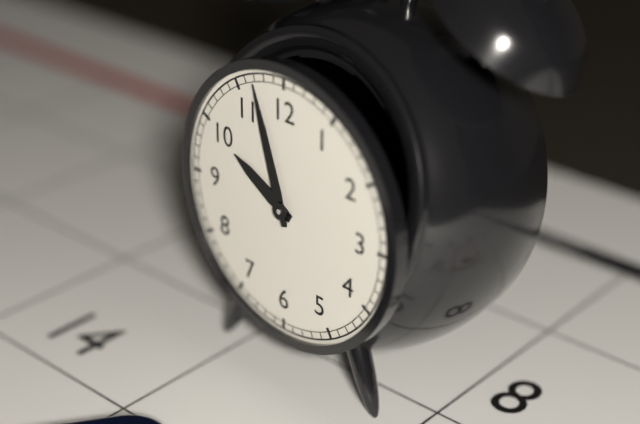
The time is 9:57
